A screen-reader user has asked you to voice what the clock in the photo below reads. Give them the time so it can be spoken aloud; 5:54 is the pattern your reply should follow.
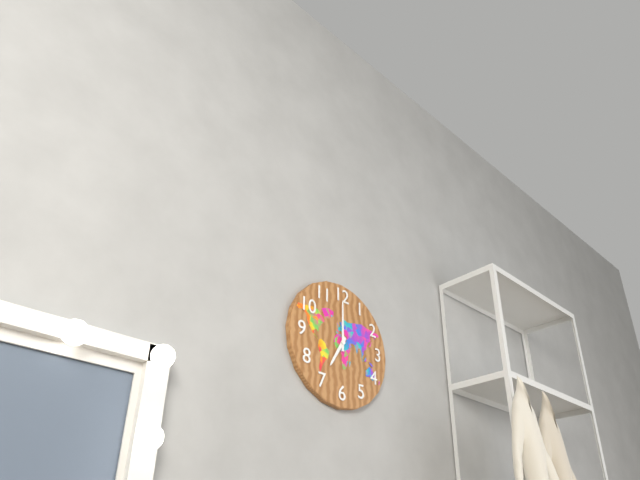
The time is 7:00
